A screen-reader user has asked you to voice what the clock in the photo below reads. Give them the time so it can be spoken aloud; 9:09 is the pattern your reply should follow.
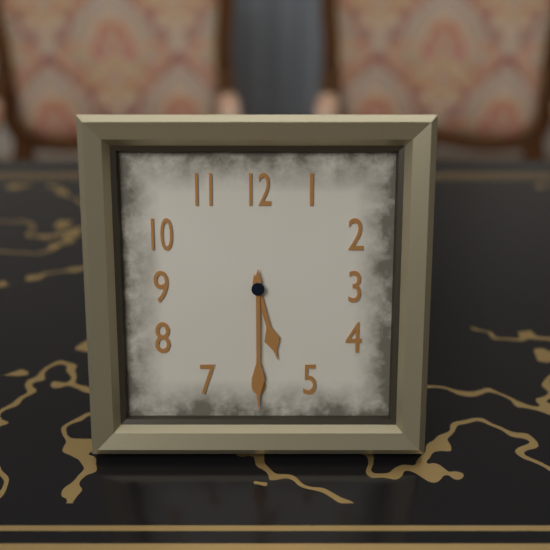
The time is 5:30
